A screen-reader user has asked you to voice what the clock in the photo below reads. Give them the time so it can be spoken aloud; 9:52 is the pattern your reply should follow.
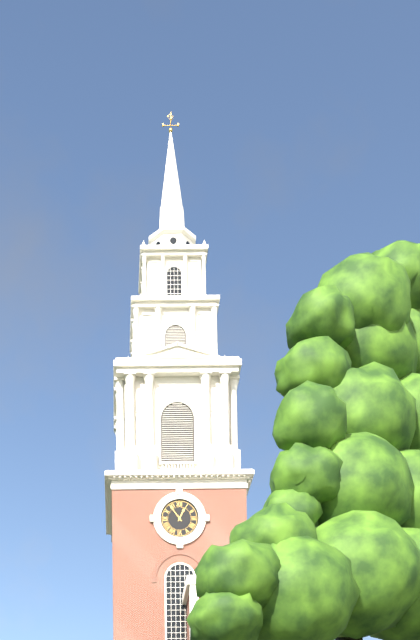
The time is 12:54
